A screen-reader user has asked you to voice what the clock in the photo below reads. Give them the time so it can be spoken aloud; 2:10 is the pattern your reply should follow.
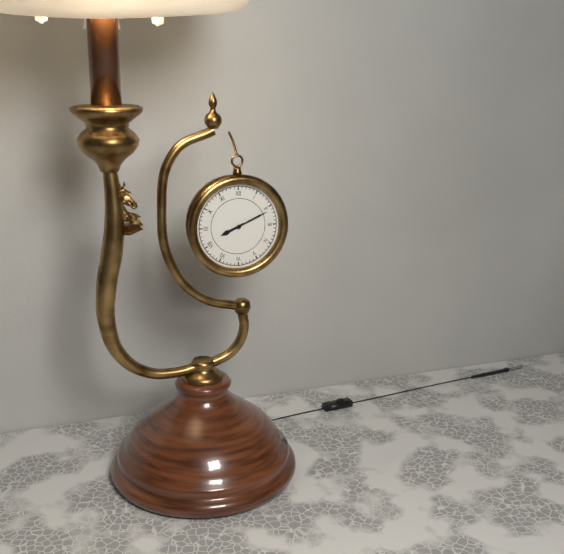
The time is 8:11
